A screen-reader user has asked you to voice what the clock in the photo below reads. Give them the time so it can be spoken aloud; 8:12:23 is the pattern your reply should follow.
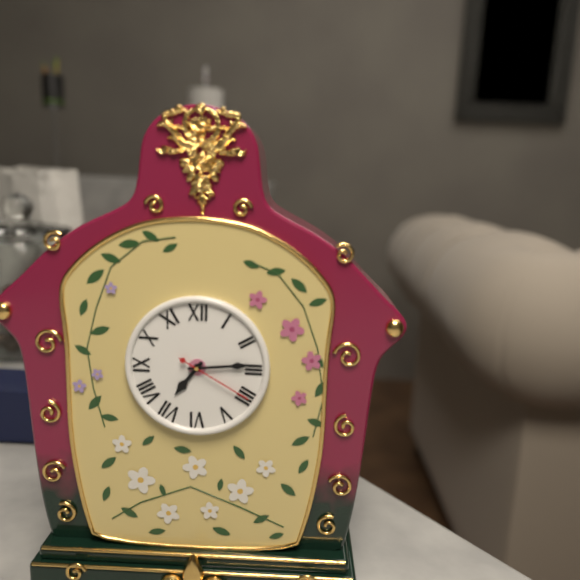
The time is 7:14:20
